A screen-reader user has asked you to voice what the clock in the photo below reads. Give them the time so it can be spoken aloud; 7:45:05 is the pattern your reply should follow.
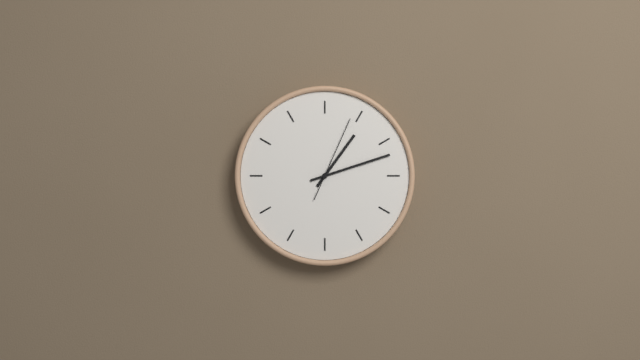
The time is 1:12:04
